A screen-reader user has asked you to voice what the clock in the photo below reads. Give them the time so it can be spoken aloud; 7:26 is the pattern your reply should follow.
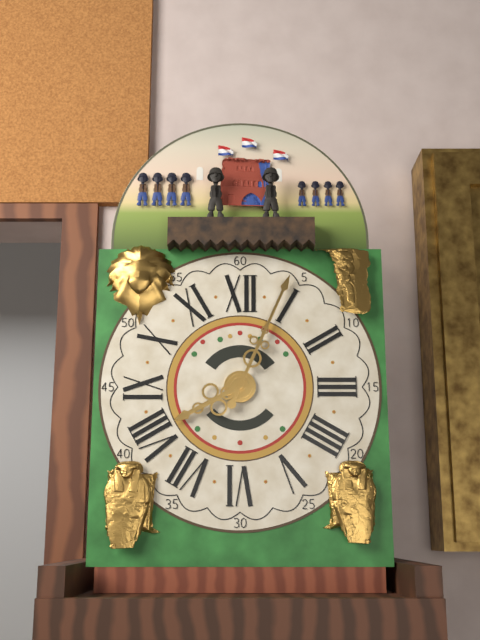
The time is 8:04
